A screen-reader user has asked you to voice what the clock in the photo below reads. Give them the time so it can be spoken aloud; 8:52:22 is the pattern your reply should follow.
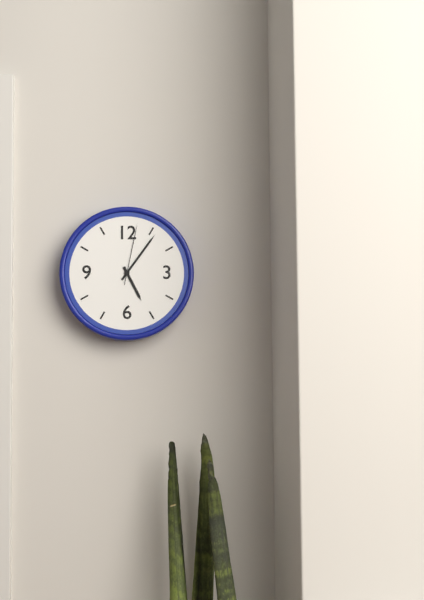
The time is 5:06:02
